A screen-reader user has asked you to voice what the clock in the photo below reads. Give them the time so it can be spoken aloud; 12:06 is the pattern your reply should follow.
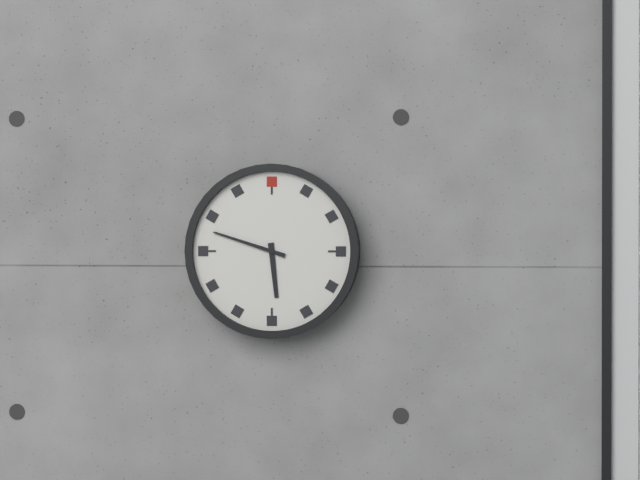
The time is 5:48
